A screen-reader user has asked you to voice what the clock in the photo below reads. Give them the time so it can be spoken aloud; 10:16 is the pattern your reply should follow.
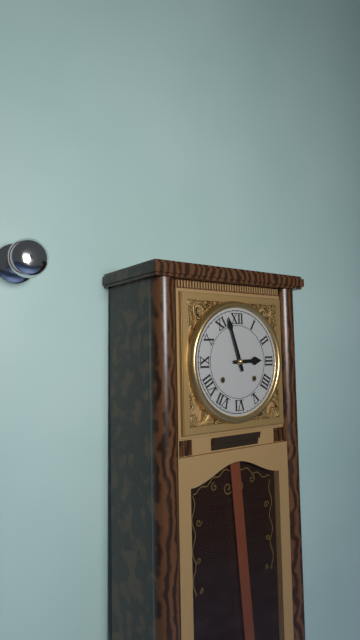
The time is 2:57
